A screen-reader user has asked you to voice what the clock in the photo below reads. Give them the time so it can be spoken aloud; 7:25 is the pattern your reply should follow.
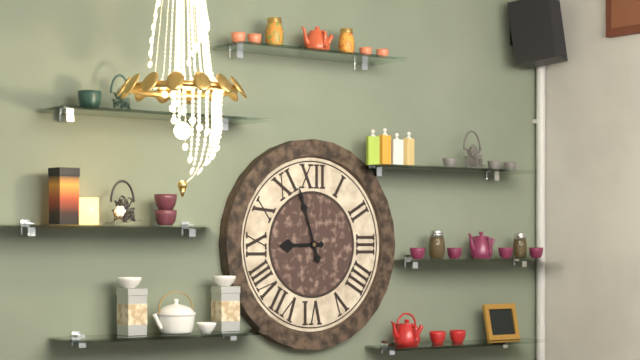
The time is 8:57
